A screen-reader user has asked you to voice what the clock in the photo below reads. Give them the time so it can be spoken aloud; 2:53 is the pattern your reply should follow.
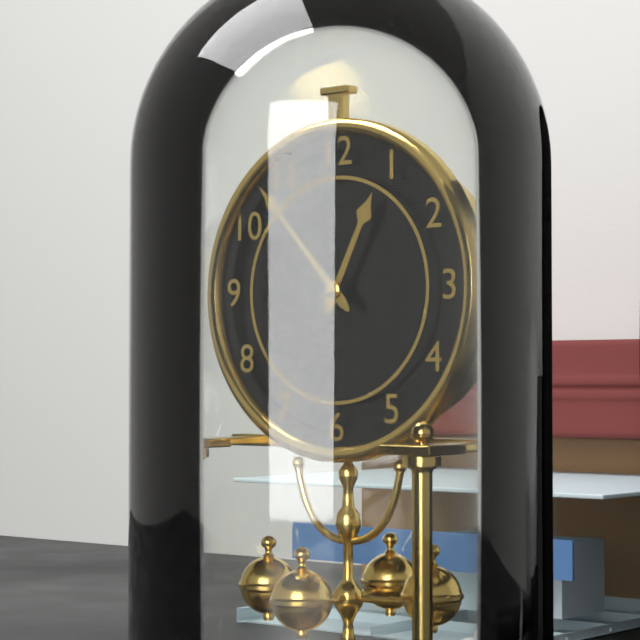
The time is 12:53
